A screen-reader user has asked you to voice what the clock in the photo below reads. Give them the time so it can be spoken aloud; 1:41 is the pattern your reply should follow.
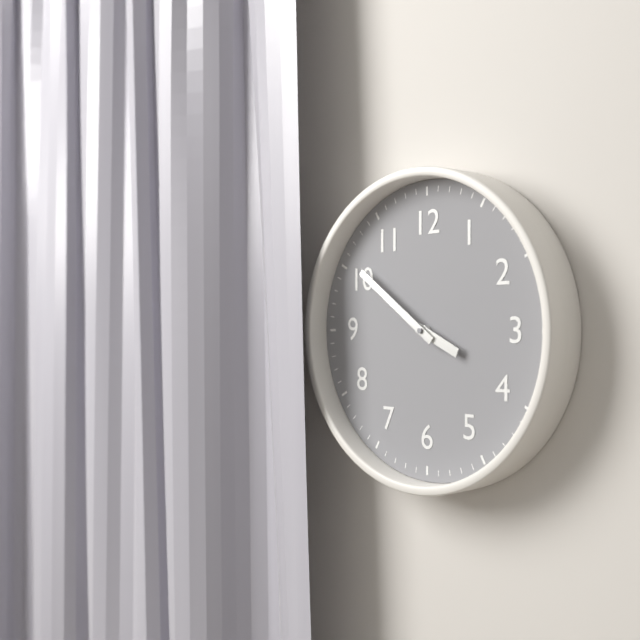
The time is 3:51
